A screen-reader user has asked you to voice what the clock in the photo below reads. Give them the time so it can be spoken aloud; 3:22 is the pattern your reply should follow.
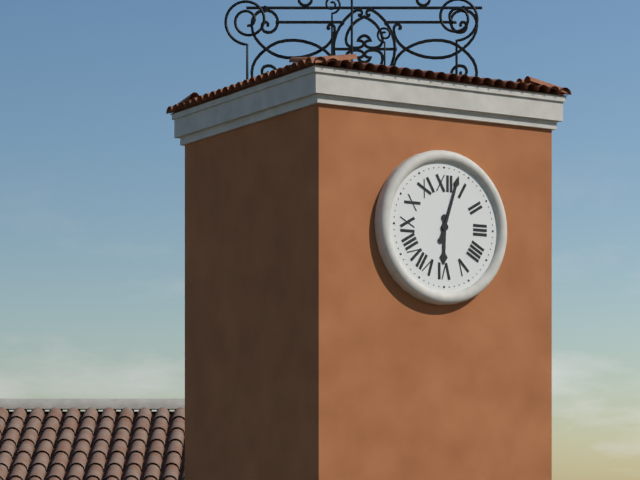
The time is 6:03
